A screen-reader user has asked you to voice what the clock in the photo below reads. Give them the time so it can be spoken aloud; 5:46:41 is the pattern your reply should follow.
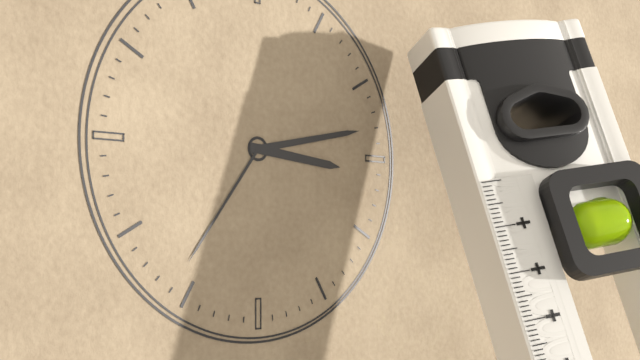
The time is 3:13:36
